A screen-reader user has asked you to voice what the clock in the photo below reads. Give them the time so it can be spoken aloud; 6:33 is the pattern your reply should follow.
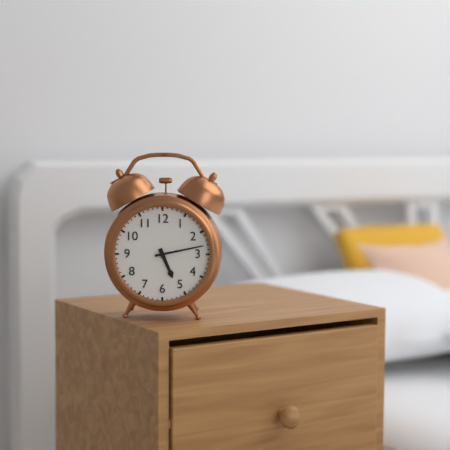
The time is 5:13
